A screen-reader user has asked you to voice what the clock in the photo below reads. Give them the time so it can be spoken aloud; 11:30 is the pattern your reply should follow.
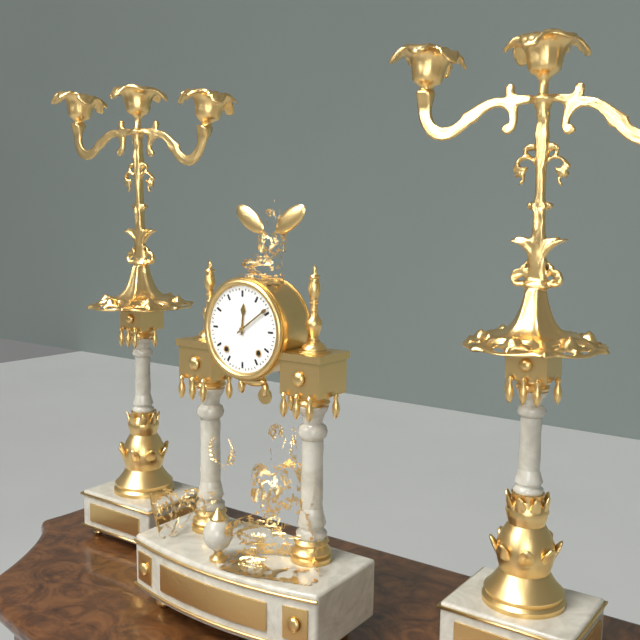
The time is 12:09
